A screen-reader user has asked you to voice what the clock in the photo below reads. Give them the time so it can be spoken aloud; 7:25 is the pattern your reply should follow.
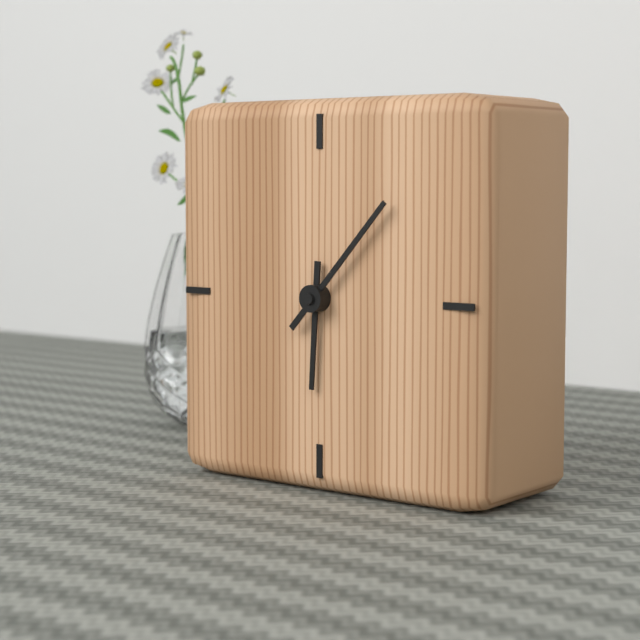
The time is 6:07
